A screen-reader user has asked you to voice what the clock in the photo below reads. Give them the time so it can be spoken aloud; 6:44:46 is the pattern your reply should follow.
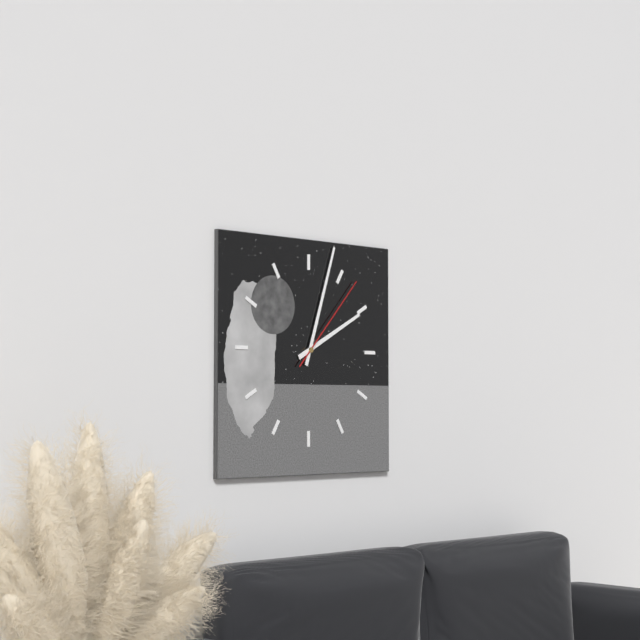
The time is 2:03:07
